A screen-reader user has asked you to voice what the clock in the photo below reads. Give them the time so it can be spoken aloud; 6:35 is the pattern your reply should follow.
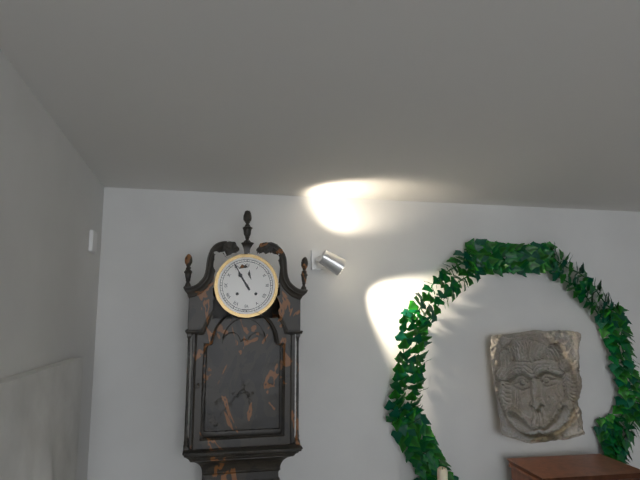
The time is 10:55
